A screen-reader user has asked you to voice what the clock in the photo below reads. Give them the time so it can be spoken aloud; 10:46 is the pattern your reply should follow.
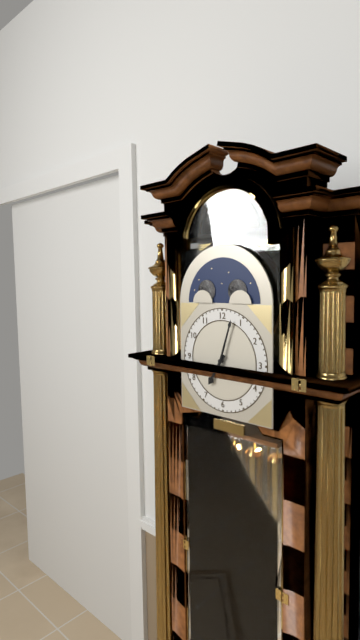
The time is 7:03
